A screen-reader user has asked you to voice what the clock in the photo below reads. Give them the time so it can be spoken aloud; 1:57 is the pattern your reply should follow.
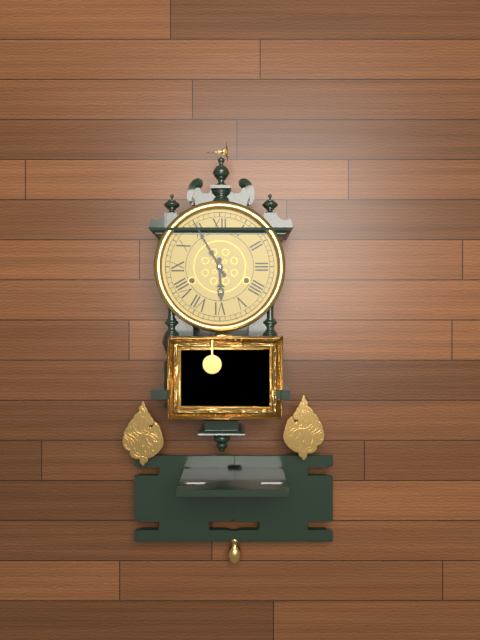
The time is 5:55
